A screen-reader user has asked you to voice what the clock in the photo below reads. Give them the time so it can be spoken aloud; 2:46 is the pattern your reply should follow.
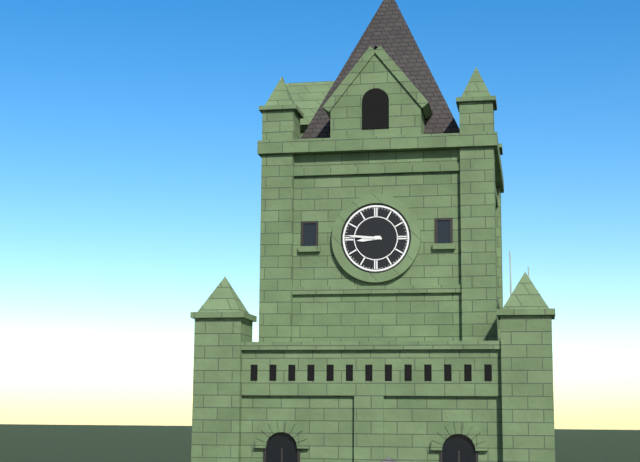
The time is 8:46
